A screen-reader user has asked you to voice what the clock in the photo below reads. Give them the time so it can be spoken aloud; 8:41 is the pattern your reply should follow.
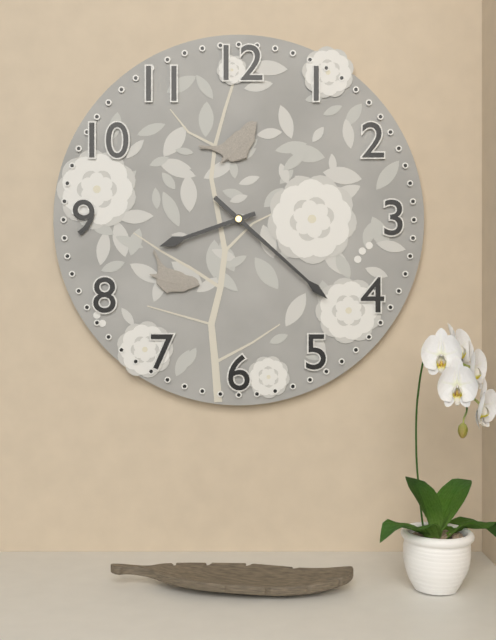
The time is 8:22
